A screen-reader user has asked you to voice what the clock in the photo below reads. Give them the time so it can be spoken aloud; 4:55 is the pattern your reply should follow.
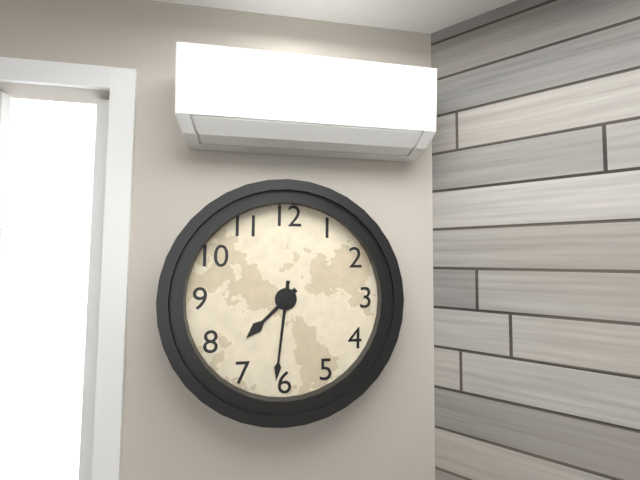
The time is 7:31
